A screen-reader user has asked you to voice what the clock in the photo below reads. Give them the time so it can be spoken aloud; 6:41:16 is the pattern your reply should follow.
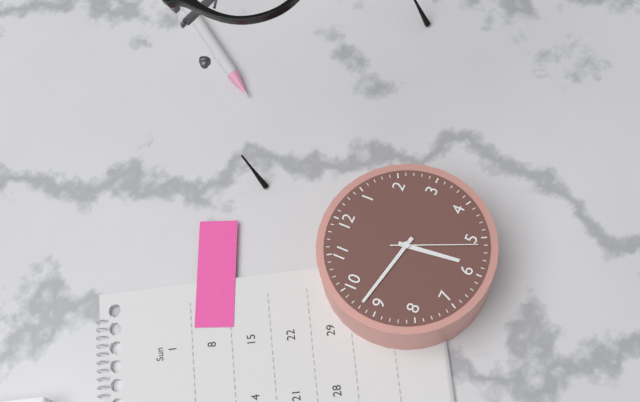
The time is 5:47:26
